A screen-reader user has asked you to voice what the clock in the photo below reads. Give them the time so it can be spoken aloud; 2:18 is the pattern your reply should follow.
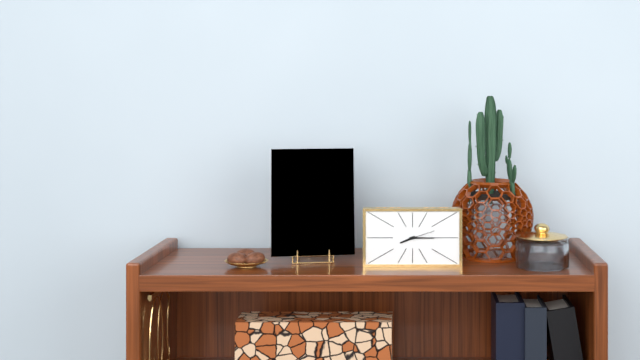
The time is 8:15
